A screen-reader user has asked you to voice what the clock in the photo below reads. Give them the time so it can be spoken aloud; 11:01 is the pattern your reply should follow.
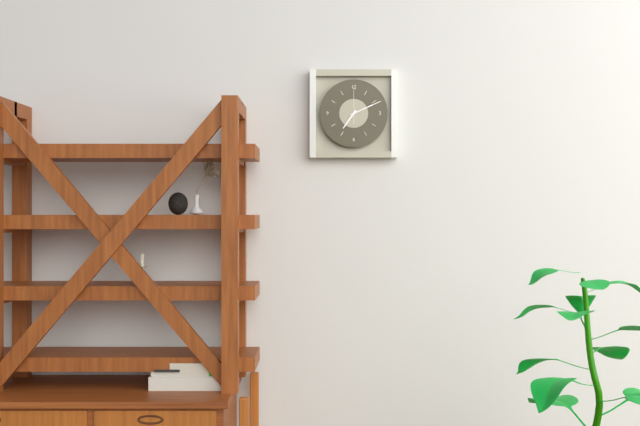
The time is 7:11
